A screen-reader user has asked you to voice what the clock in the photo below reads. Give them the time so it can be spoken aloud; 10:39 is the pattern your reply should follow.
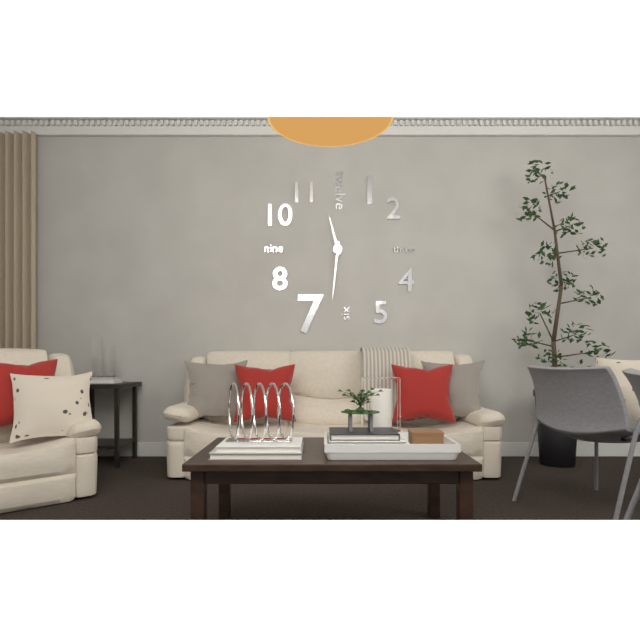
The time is 11:31
